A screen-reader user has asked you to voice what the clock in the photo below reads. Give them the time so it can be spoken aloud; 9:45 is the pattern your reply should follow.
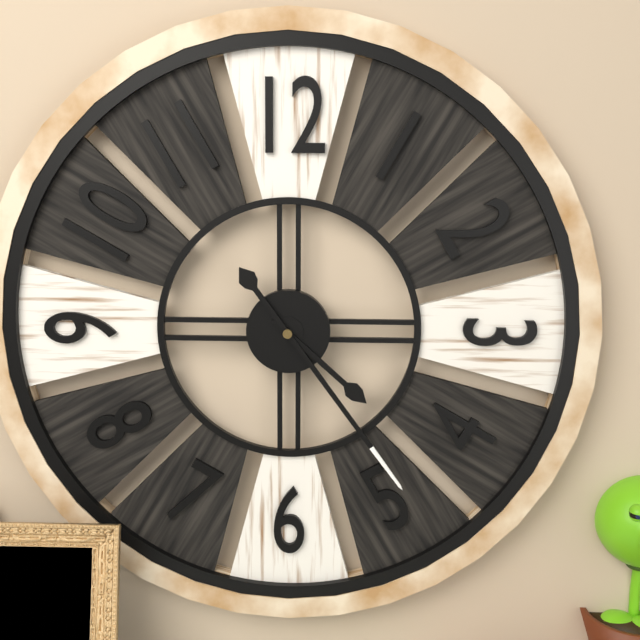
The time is 4:24
